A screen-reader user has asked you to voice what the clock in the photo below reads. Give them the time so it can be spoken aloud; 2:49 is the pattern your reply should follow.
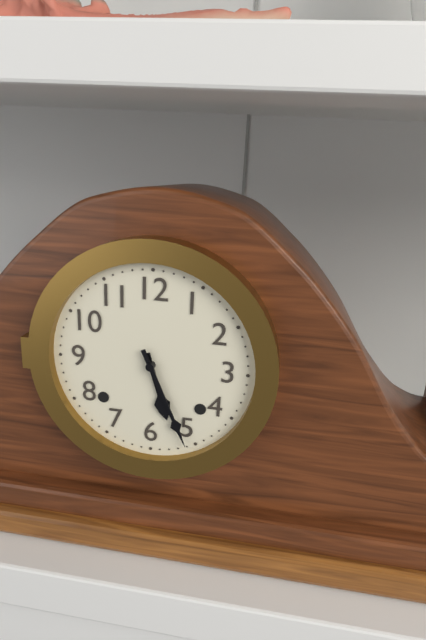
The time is 5:26
